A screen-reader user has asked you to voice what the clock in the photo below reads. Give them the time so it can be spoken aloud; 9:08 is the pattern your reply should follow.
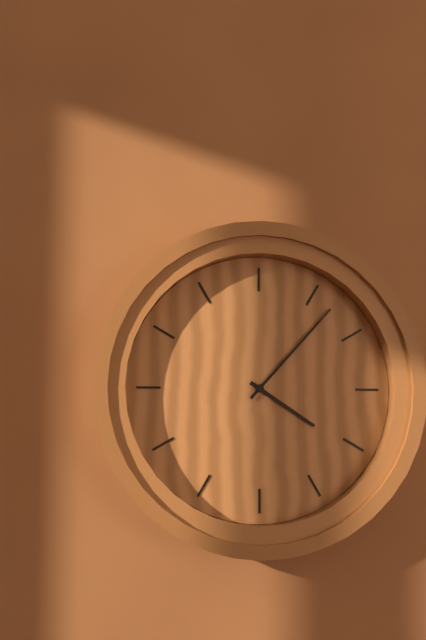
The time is 4:07
